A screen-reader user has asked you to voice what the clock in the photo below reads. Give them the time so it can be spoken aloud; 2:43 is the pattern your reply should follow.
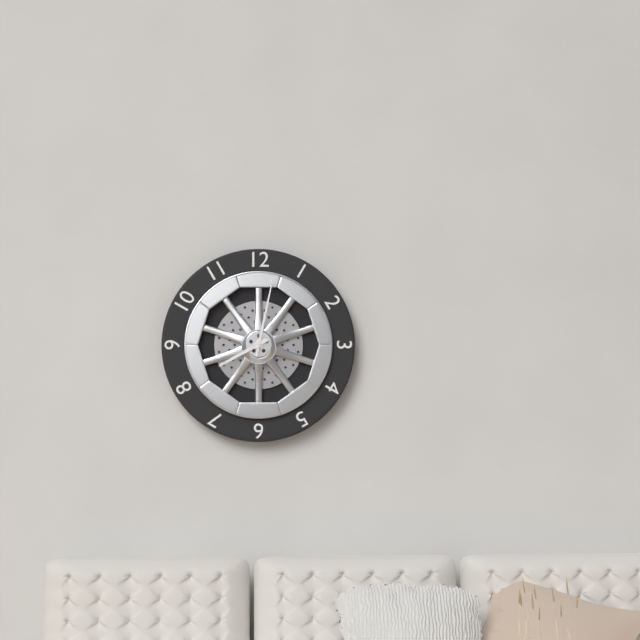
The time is 8:02
